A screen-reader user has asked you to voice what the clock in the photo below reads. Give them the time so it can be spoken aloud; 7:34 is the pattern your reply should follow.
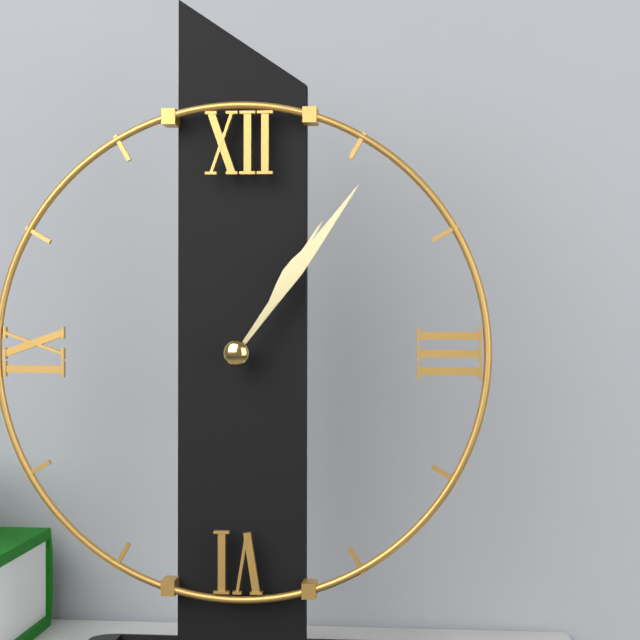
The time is 1:06
